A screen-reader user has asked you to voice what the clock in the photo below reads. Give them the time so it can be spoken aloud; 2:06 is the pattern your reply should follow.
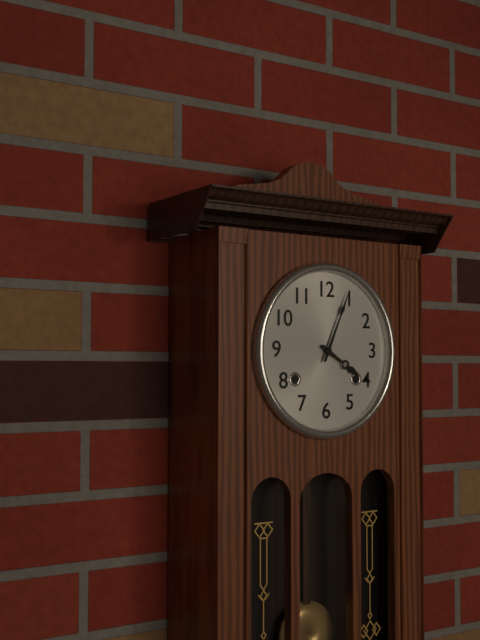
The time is 4:04
